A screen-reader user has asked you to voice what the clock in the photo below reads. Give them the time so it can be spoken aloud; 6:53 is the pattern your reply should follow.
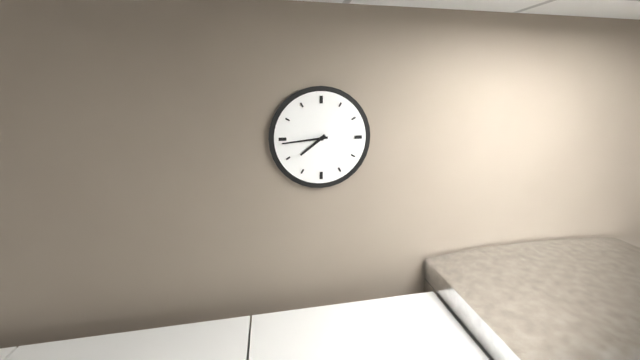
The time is 7:44
